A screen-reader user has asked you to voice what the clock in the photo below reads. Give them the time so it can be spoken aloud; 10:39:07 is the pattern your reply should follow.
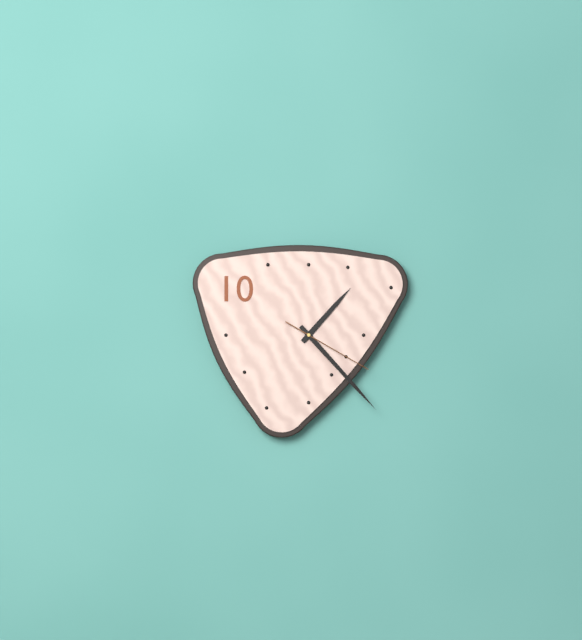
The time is 1:23:20
